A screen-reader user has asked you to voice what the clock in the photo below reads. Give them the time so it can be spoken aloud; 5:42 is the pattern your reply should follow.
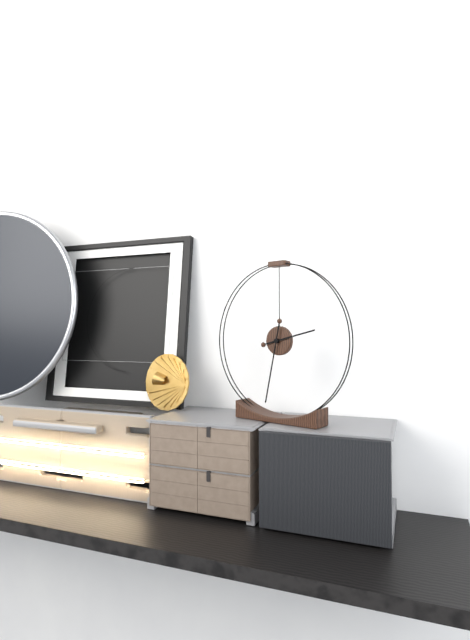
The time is 2:32
